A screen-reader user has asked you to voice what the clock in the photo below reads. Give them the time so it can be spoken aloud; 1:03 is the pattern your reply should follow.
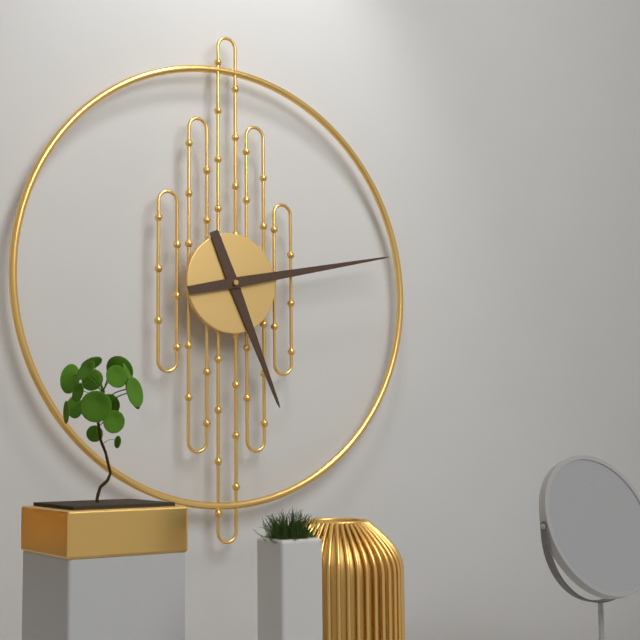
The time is 5:13
